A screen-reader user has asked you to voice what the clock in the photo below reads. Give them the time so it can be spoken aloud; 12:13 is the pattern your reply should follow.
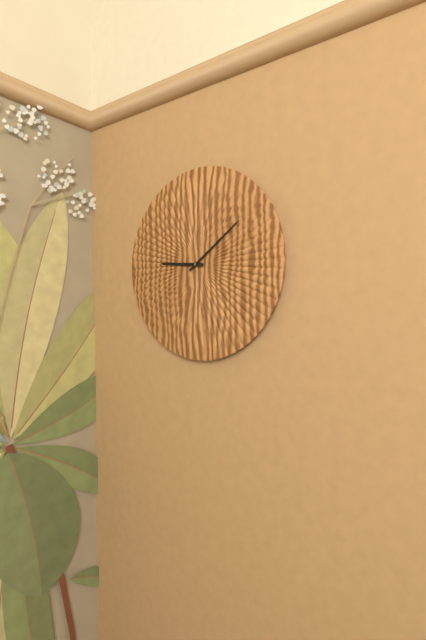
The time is 9:09
